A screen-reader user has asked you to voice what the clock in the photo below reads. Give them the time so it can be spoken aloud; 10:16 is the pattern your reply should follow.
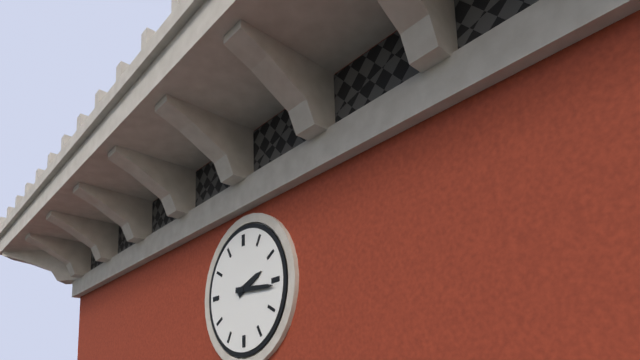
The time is 2:16
